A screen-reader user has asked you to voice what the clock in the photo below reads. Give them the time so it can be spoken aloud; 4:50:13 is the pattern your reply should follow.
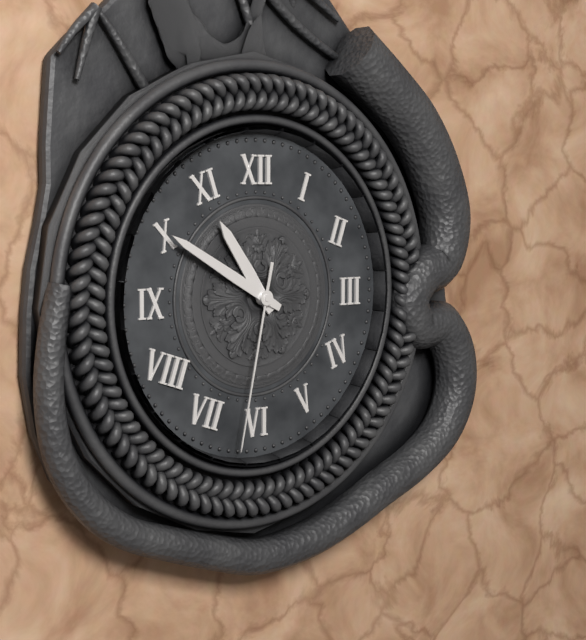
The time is 10:50:32
